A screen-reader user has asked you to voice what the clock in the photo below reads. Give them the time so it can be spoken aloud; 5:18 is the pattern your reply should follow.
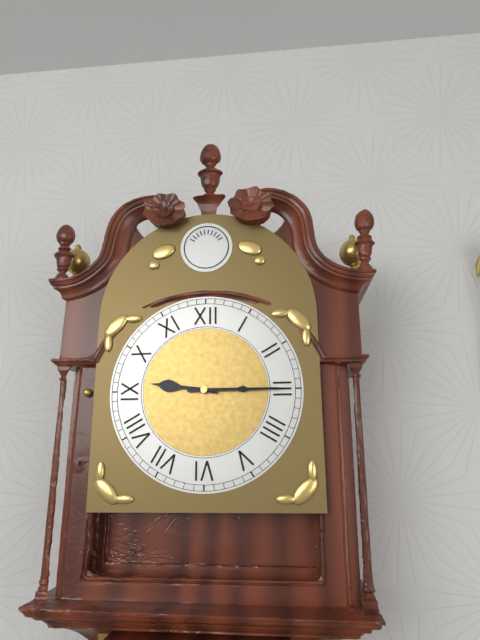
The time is 9:15
